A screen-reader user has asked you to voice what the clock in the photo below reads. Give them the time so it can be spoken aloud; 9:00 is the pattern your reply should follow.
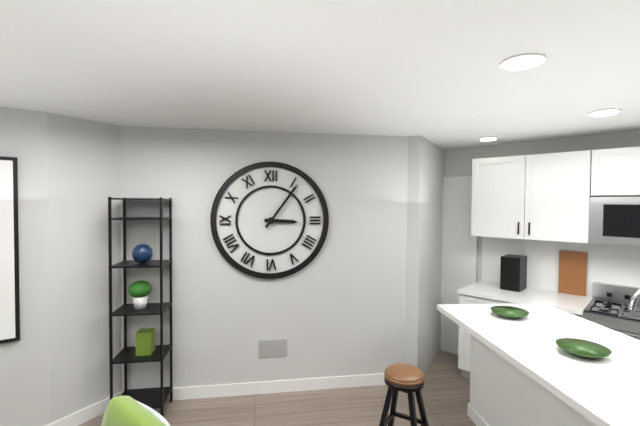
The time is 3:06
